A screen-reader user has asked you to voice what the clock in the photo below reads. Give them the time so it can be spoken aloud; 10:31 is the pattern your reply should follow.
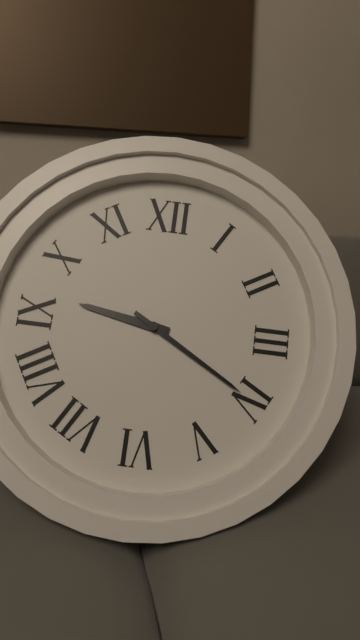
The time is 9:20
